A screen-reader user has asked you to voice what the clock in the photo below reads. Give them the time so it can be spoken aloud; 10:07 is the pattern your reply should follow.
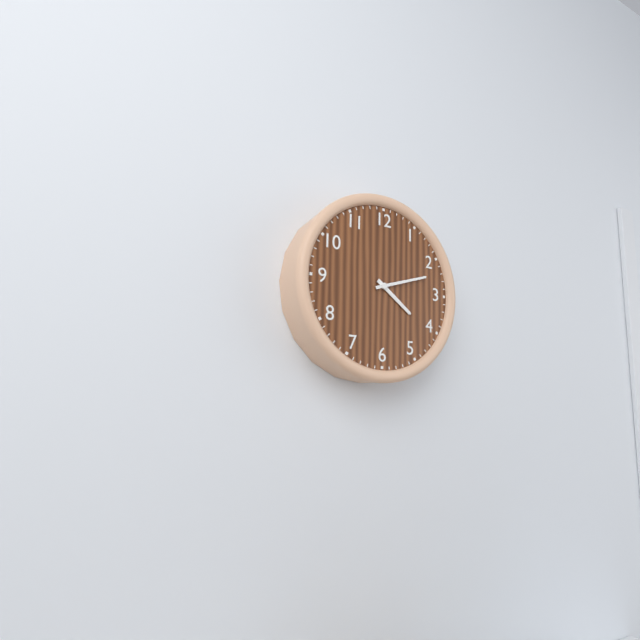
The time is 4:12
